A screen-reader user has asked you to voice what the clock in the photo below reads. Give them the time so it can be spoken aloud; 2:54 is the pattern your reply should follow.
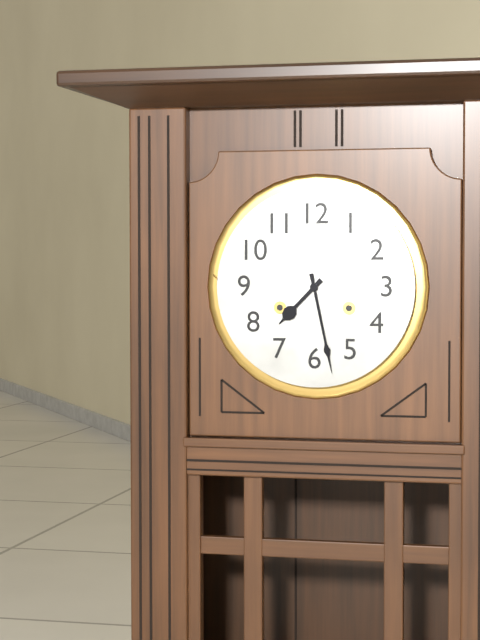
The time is 7:28
